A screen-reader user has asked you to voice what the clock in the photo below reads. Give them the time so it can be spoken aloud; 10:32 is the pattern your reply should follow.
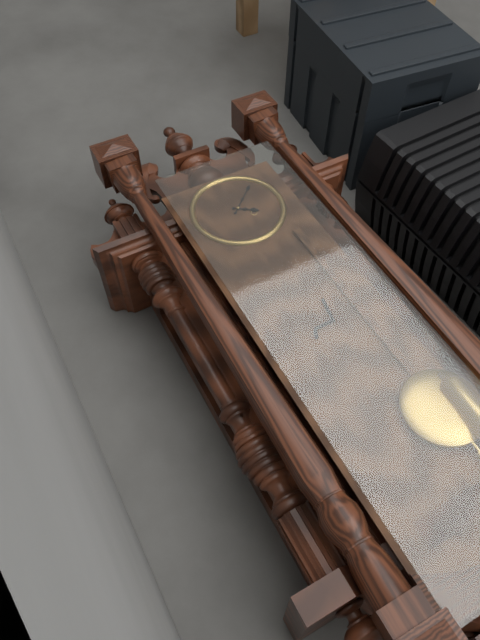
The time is 4:08
